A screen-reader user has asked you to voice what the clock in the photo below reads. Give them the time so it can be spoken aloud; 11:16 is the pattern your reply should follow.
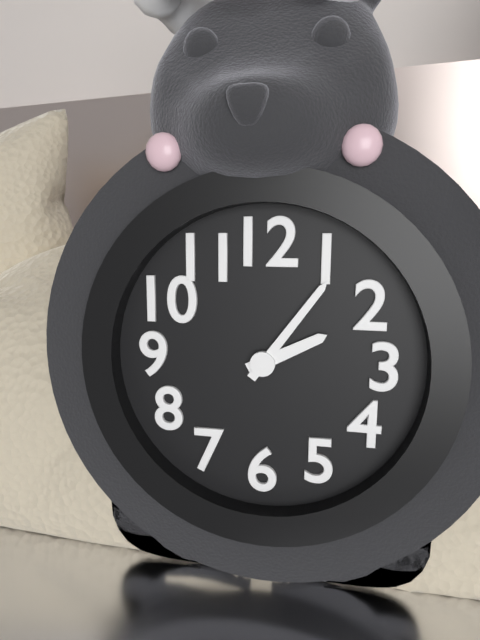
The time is 2:06
